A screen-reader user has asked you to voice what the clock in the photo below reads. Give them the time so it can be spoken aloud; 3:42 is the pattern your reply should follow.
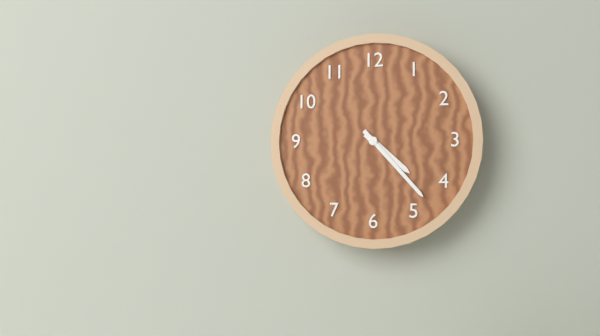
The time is 4:23
